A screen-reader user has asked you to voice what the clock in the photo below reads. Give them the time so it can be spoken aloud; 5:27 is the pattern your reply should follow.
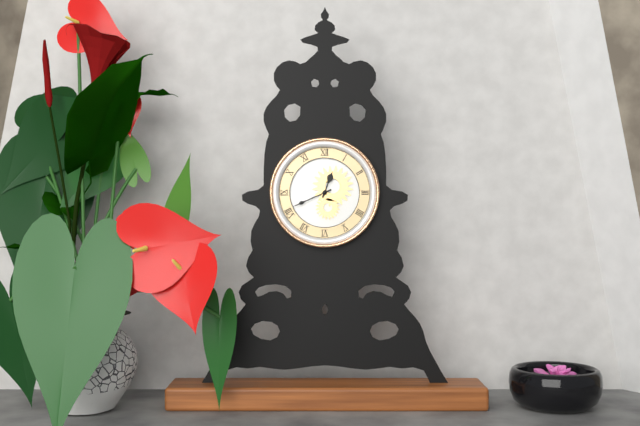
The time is 12:41
